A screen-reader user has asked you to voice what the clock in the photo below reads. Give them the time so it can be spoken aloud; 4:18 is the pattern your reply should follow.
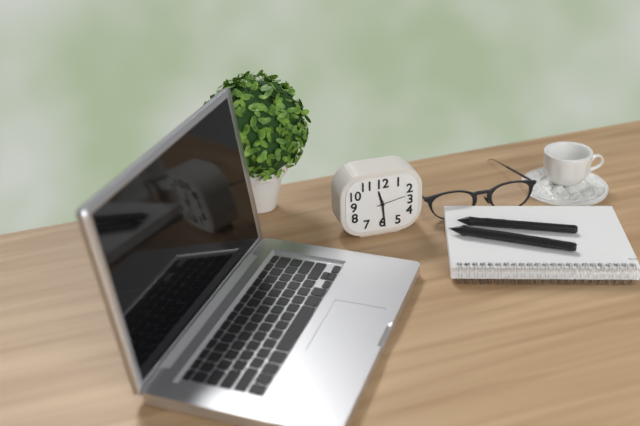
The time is 11:29
